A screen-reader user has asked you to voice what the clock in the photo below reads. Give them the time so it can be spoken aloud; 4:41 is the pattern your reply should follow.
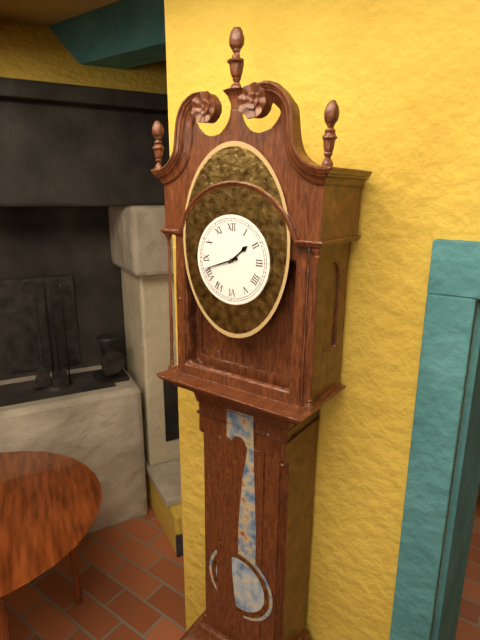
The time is 1:42
